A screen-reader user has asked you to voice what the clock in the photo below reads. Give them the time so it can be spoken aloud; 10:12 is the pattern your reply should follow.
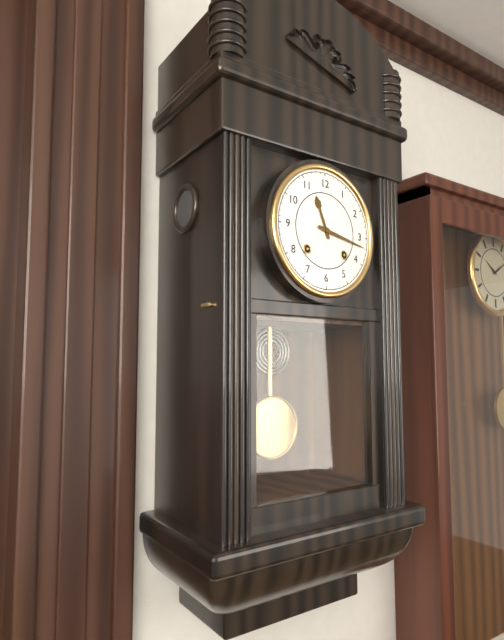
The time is 11:17
